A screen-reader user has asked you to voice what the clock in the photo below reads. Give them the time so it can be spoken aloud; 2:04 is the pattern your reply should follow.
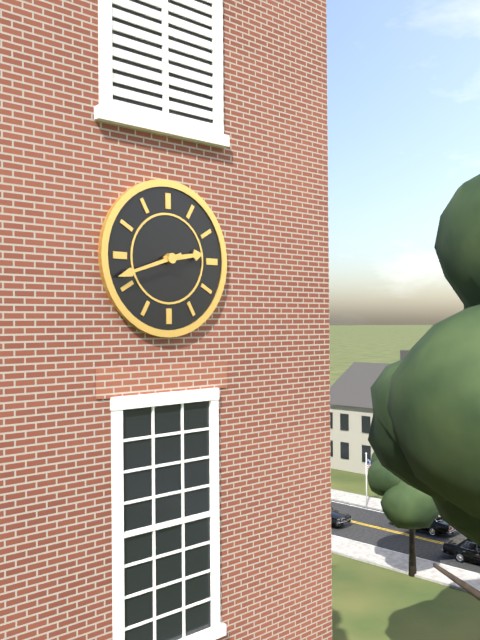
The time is 2:42
